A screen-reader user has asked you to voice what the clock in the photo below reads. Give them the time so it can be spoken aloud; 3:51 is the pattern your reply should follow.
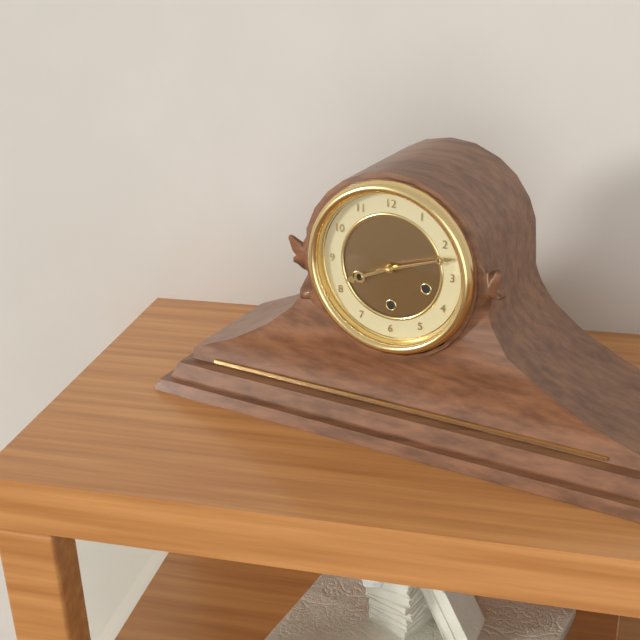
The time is 8:12
